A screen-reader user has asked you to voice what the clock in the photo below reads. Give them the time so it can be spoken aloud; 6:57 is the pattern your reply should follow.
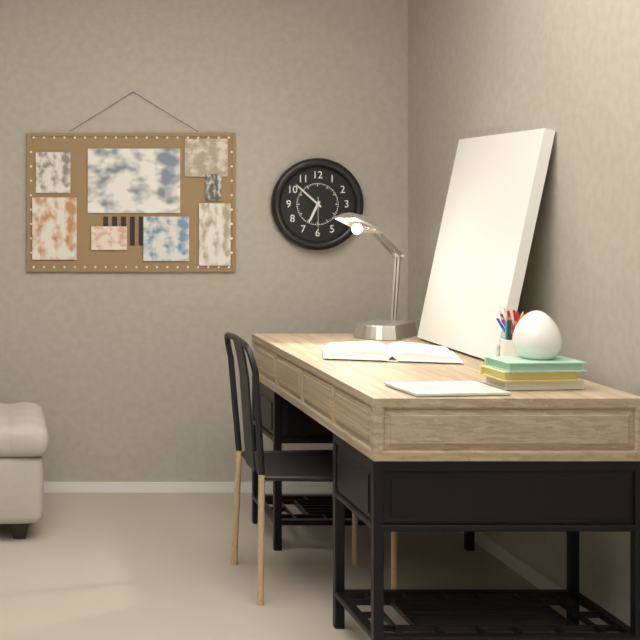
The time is 6:52
